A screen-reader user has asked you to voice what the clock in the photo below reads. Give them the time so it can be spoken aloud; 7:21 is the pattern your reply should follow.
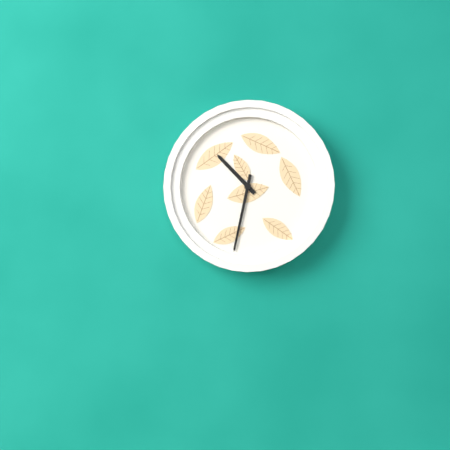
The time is 10:32
